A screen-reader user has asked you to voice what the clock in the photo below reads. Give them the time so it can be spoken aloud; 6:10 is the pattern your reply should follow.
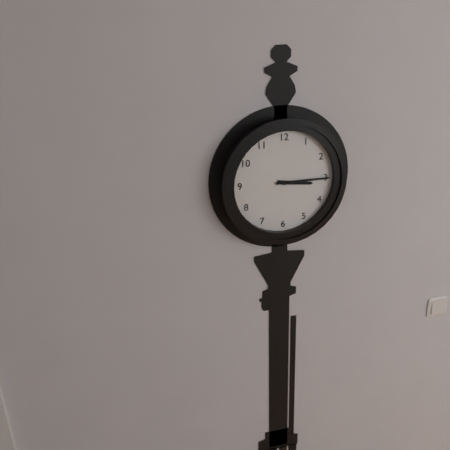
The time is 3:15
